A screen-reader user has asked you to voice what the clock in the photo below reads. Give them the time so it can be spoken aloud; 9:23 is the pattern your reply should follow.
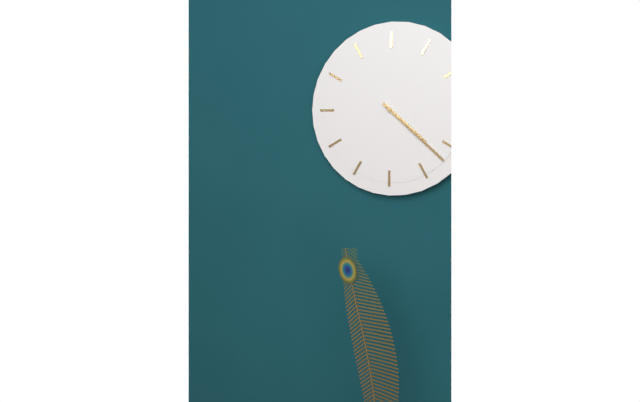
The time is 4:22
